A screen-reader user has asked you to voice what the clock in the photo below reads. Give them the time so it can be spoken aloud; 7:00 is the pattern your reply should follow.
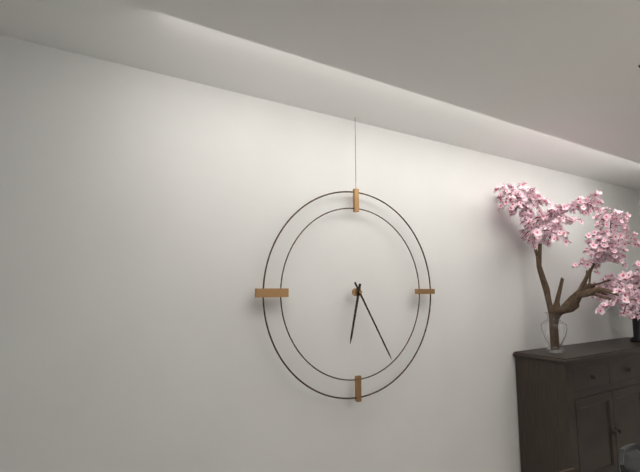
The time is 6:25
